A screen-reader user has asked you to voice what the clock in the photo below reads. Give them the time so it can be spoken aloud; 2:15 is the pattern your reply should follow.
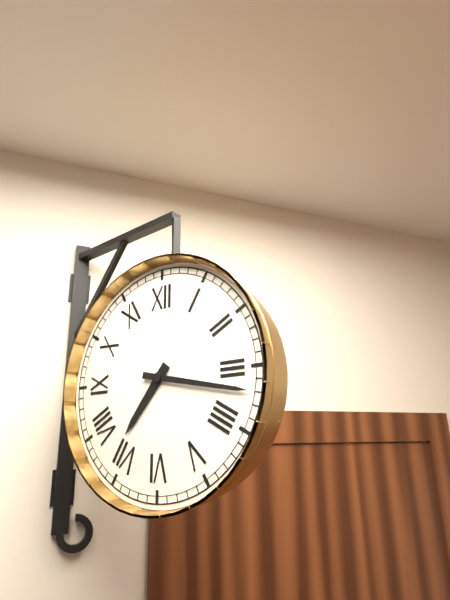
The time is 7:17
